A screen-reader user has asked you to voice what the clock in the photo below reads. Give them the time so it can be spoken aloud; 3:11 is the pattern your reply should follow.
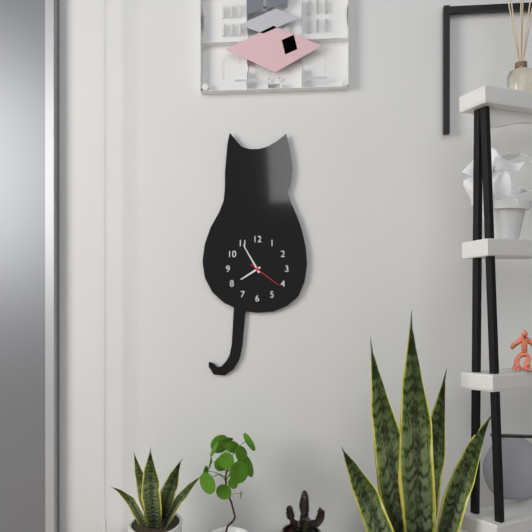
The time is 7:55
